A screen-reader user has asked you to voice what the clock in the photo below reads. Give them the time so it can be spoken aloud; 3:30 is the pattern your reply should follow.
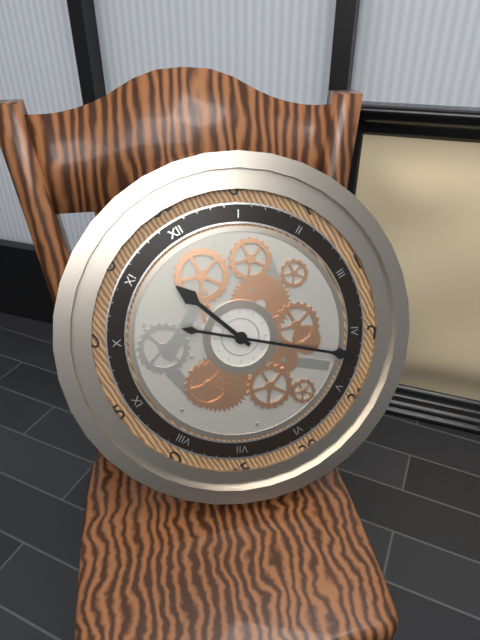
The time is 11:22
